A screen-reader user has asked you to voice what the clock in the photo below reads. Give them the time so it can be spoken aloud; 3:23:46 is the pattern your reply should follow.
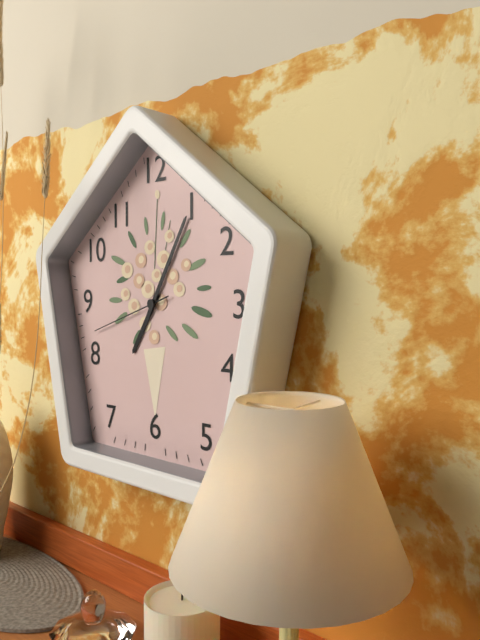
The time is 7:05:42
